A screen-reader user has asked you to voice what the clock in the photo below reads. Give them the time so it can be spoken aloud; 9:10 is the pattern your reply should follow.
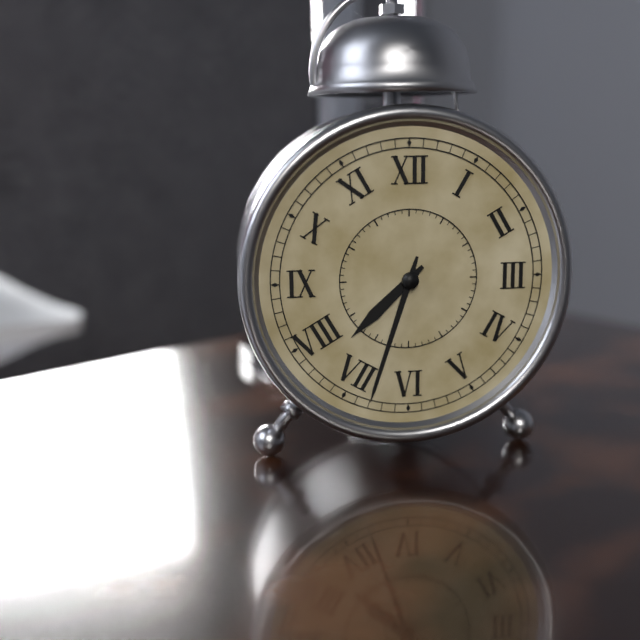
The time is 7:33
